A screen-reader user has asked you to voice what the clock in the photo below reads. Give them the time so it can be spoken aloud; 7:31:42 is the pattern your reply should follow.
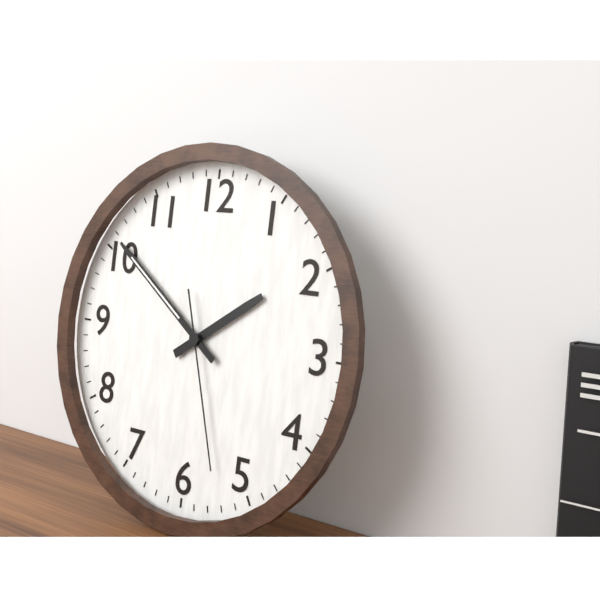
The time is 1:51:27
